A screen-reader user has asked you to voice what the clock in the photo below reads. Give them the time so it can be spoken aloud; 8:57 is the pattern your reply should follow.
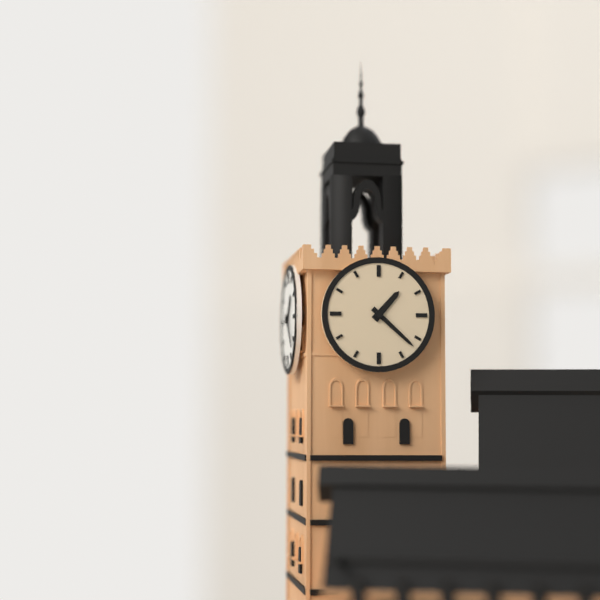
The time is 1:22
